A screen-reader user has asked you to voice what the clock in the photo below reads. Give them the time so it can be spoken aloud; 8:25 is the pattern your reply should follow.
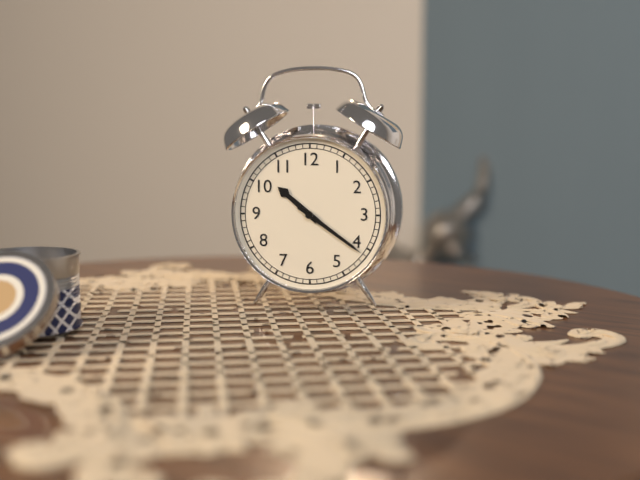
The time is 10:21
